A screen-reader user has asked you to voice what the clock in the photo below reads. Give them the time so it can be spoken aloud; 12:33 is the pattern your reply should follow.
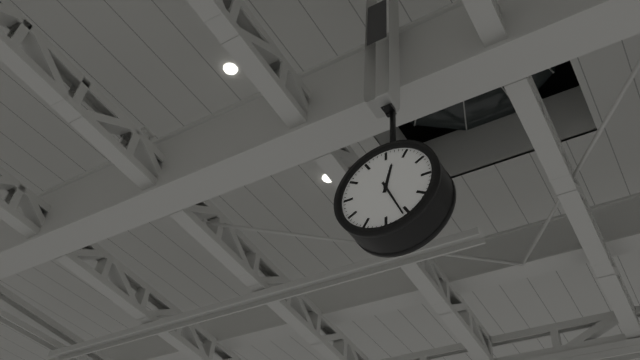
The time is 12:26
